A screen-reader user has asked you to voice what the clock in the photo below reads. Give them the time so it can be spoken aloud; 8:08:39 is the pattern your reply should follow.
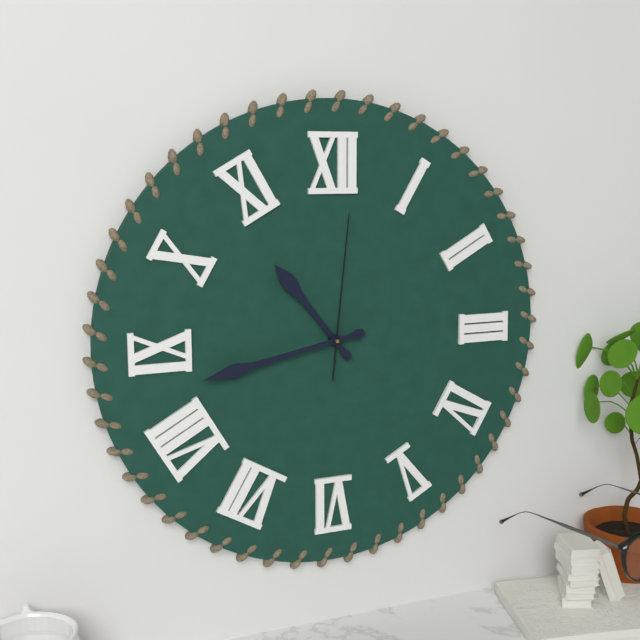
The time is 10:43:01
